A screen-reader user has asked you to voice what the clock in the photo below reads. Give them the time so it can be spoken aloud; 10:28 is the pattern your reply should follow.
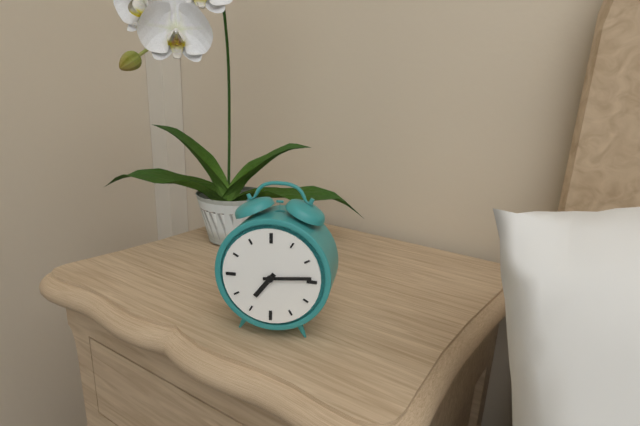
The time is 7:14
